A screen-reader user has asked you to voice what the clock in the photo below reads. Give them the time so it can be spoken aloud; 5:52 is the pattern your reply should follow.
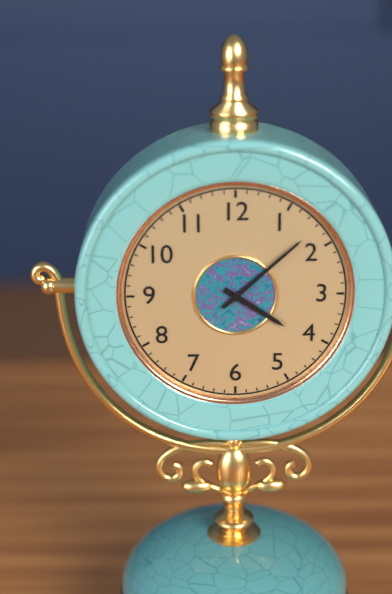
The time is 4:08
